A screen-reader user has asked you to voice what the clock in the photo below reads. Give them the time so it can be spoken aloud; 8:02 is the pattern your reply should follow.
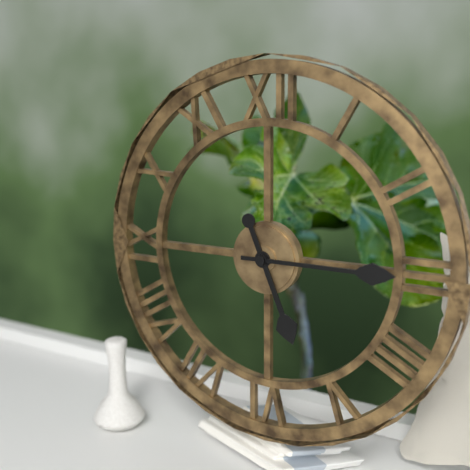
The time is 5:15
